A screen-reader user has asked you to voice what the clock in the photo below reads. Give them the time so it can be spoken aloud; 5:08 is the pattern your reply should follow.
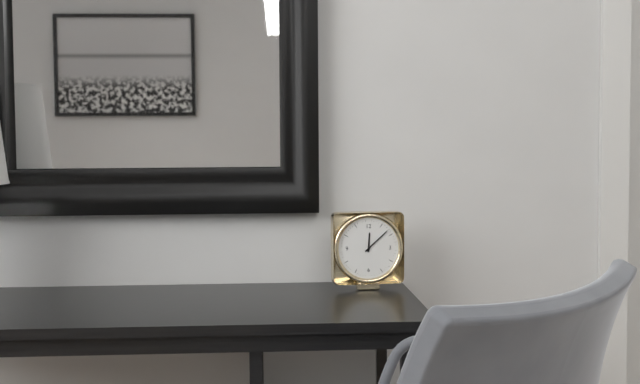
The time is 12:08
